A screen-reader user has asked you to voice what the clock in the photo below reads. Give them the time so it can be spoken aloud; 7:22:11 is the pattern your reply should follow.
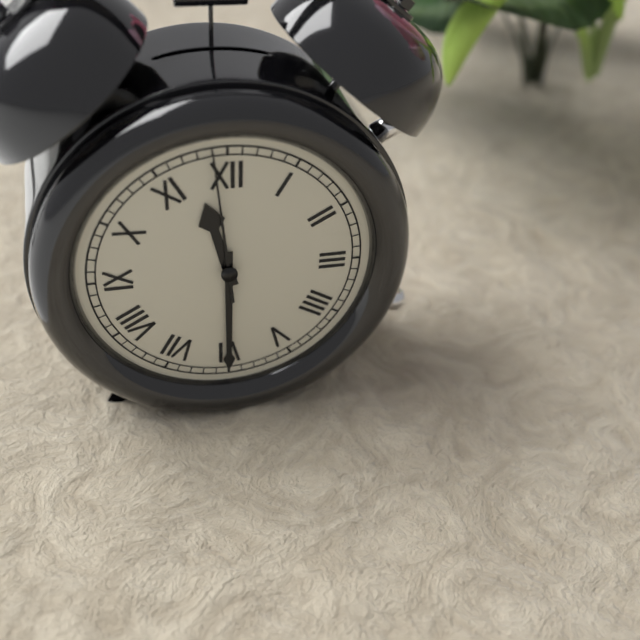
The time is 11:30:59
